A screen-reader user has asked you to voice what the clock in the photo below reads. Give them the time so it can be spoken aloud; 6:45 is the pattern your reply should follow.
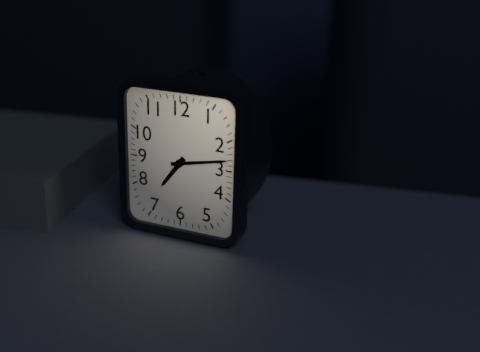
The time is 7:13
